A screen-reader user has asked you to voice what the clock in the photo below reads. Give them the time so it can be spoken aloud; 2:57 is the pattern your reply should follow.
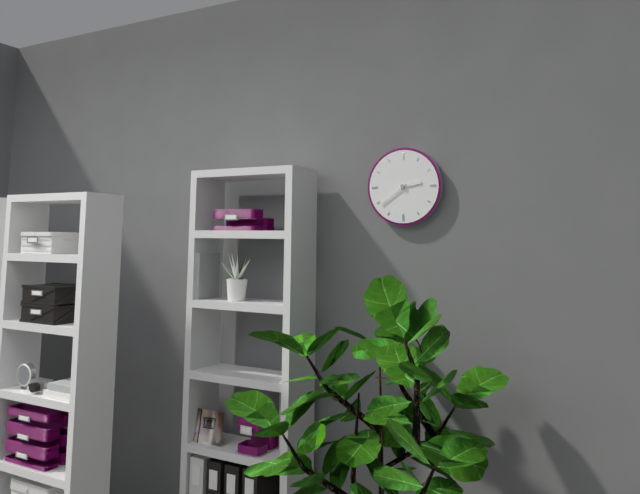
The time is 2:39
